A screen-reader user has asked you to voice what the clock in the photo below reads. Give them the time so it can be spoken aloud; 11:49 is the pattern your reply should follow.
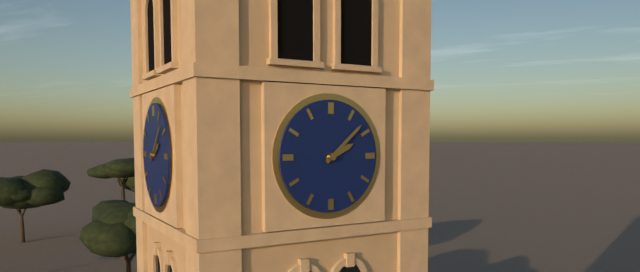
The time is 2:08
